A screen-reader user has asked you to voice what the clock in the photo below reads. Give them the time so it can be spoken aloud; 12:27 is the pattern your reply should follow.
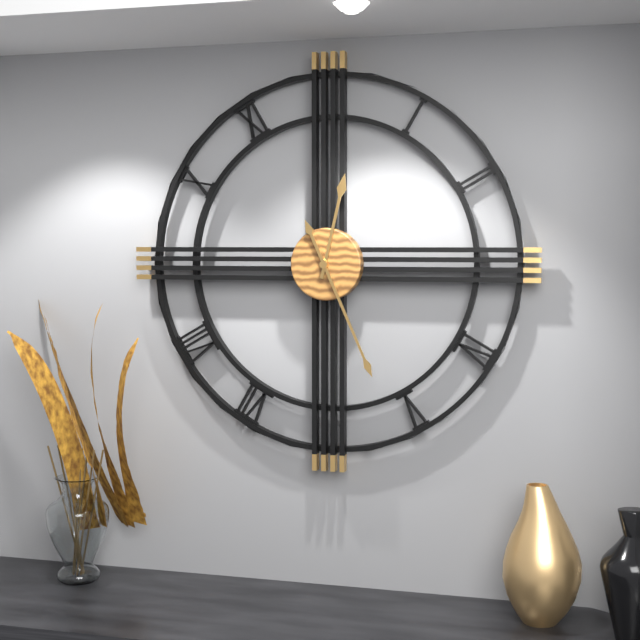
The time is 12:26
